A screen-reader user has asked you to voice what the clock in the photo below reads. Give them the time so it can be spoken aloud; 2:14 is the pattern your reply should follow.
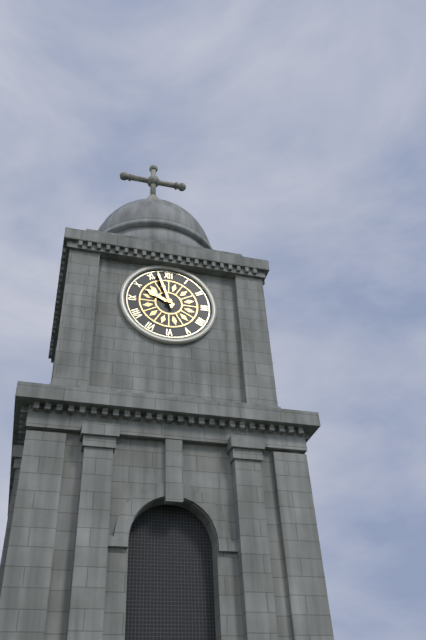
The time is 9:57
